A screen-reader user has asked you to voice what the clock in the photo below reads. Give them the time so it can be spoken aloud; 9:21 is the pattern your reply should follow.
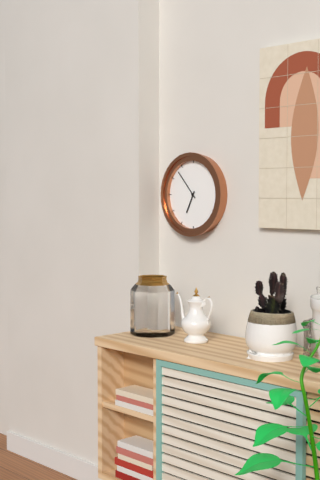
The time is 6:53
